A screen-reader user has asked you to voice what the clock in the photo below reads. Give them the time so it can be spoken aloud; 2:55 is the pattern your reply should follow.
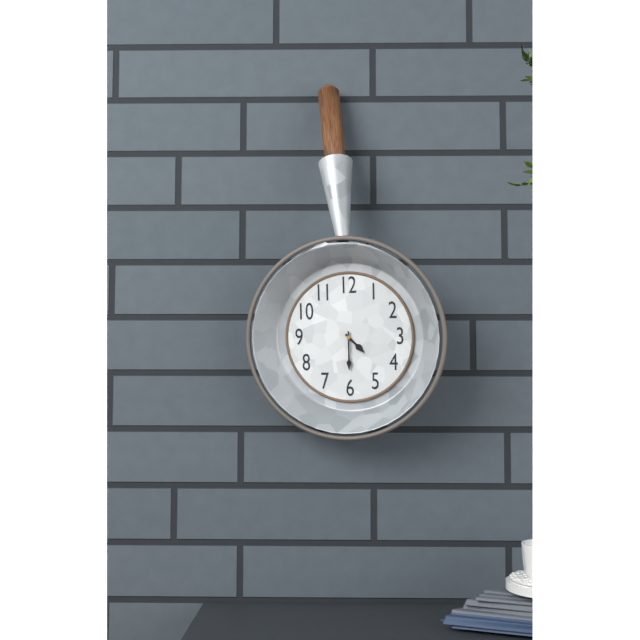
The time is 4:30
